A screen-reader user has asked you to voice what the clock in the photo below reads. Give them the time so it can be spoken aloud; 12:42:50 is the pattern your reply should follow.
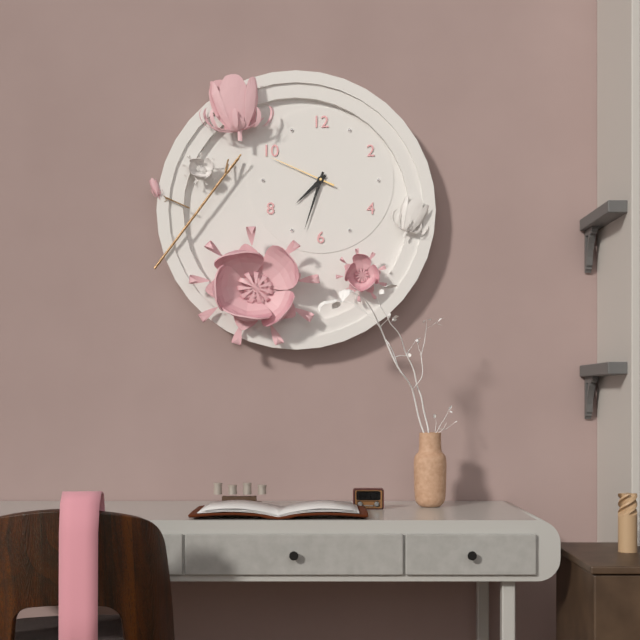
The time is 7:33:49
